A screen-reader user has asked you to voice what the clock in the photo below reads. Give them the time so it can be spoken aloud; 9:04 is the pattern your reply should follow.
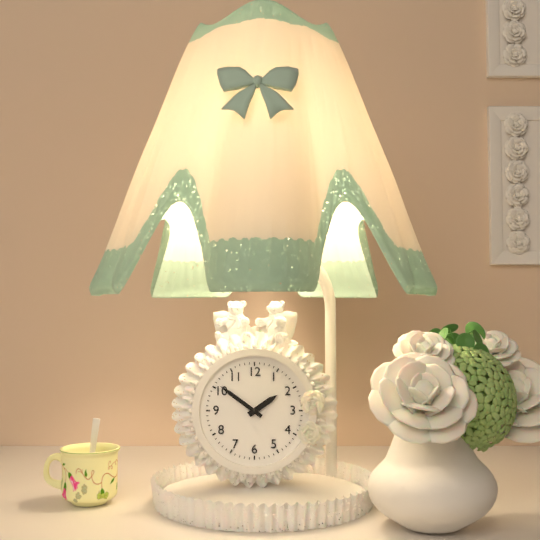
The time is 1:51
